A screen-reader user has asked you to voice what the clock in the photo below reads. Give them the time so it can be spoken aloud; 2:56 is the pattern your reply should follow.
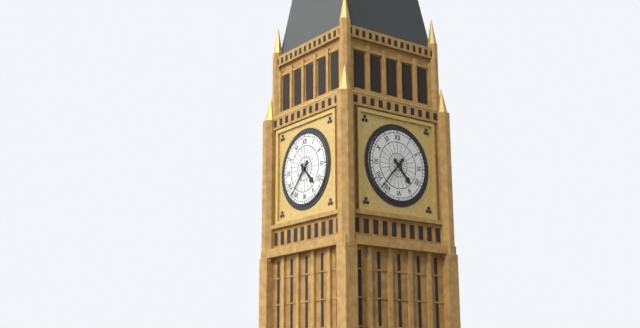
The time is 4:37
